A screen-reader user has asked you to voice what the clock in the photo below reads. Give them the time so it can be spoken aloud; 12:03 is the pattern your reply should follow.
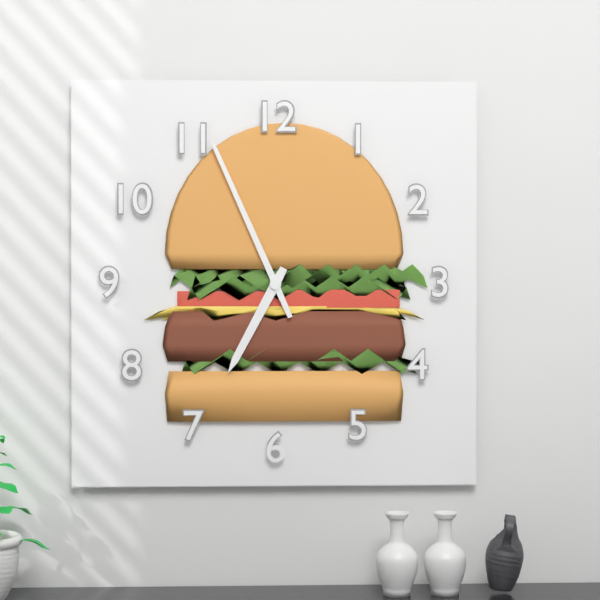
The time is 6:56
